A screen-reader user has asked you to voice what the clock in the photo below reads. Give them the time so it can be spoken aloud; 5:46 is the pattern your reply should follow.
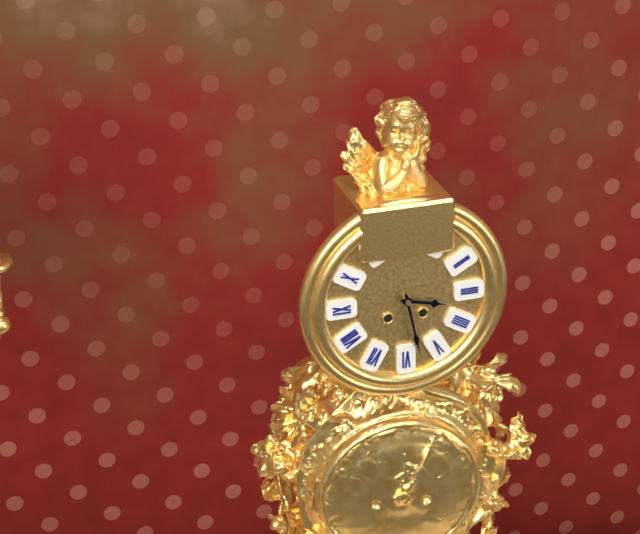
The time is 3:28
